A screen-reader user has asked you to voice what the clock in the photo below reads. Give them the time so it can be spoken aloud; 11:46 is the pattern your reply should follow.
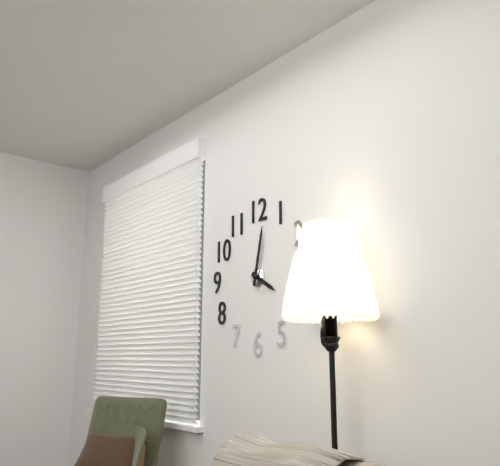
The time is 4:02
